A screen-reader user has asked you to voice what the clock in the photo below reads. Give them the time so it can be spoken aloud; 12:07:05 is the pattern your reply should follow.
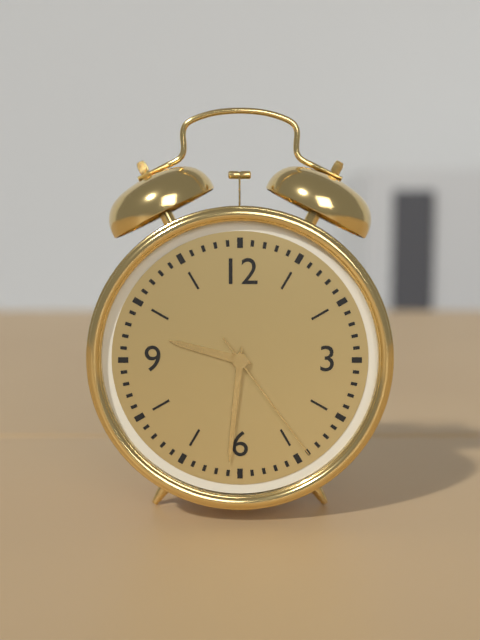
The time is 9:31:24
